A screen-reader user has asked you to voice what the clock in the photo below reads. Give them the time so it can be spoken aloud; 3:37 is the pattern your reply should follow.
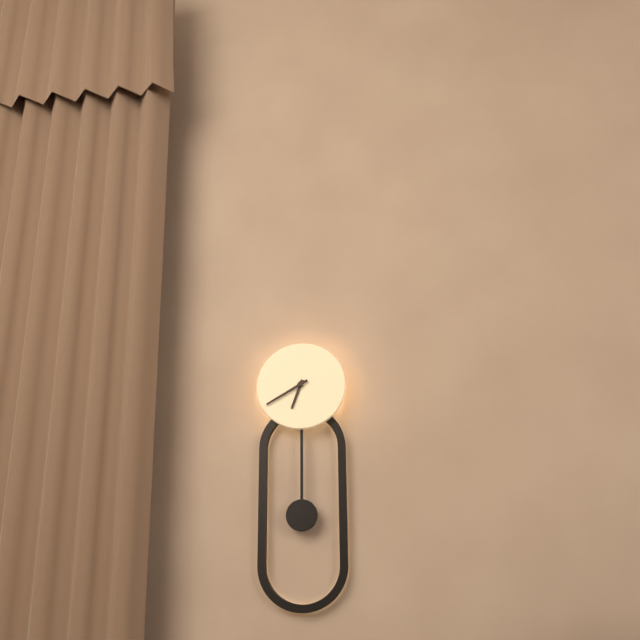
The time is 6:40
